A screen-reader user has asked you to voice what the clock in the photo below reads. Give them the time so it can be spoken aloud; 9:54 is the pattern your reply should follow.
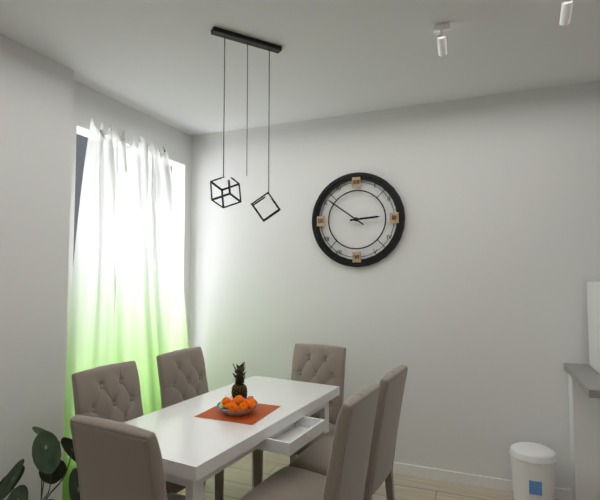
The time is 2:51
